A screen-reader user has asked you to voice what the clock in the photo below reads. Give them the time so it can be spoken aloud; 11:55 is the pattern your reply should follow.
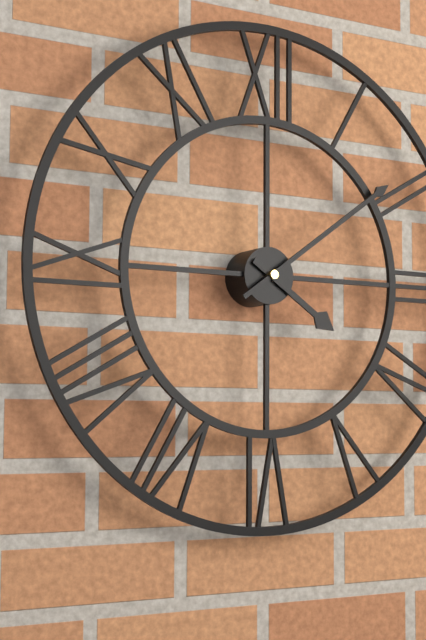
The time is 4:09
